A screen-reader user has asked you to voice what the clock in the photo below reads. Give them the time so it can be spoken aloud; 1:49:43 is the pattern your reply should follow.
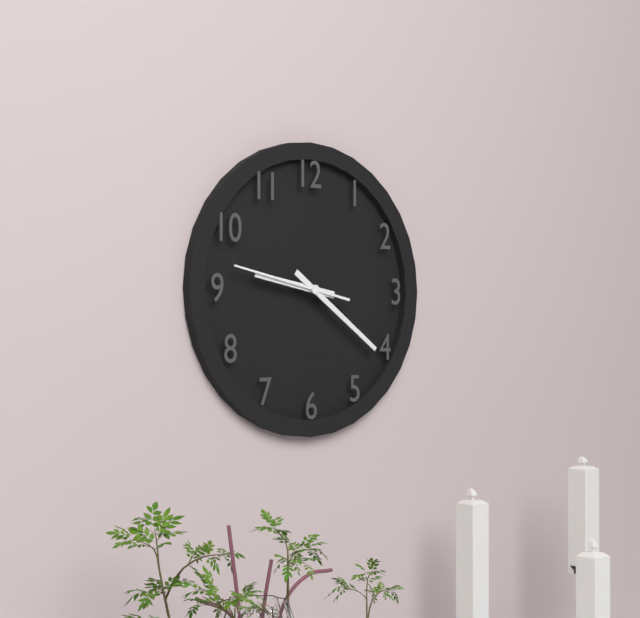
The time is 9:21:47
